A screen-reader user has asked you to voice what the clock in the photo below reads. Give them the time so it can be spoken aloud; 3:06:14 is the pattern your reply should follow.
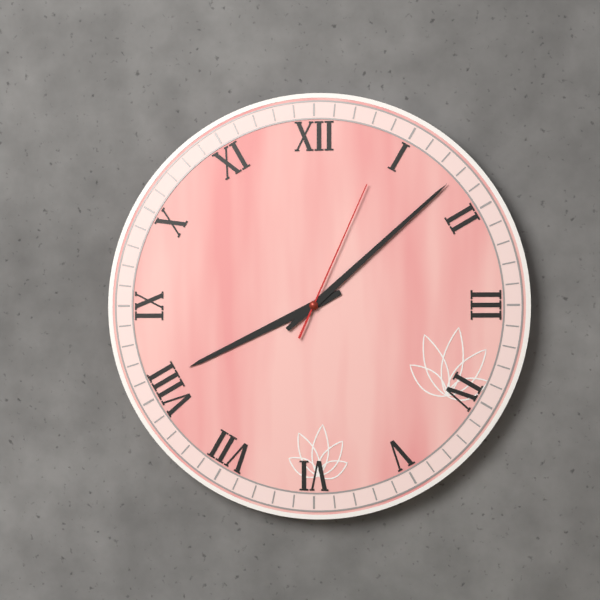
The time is 8:08:04
